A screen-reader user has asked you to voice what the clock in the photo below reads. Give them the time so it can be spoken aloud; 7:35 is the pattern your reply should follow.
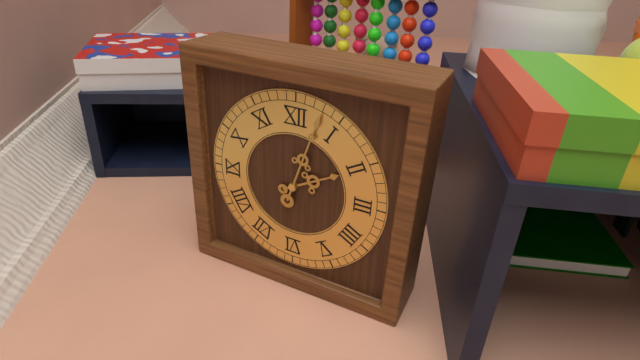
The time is 2:03
